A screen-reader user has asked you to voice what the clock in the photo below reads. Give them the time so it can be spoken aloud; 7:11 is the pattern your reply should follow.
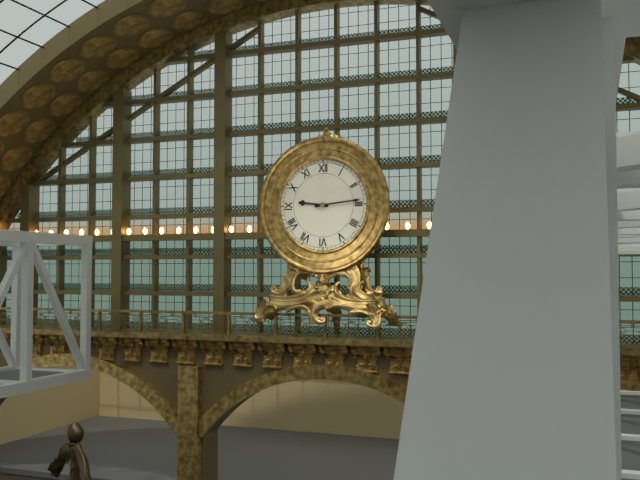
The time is 9:14
